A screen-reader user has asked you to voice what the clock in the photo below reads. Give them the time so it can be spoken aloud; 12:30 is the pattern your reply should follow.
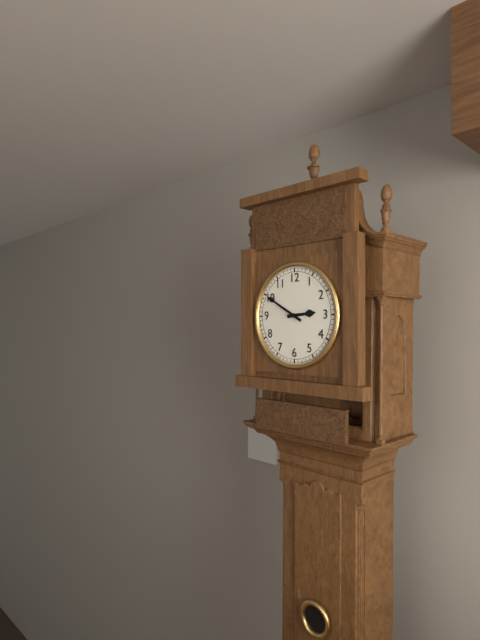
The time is 2:50
